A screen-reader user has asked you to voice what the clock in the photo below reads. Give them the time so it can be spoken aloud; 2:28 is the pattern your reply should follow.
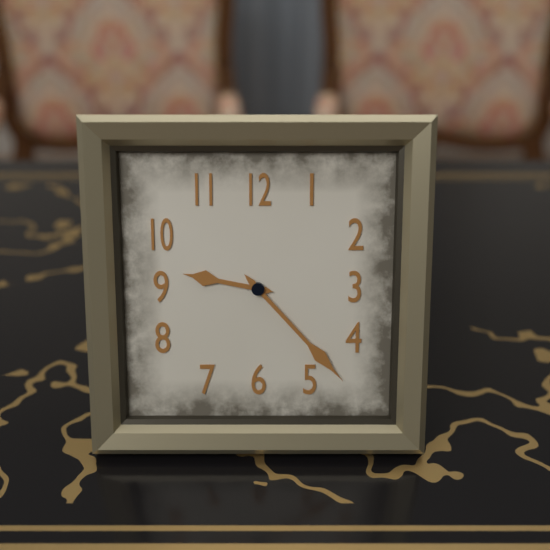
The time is 9:23
